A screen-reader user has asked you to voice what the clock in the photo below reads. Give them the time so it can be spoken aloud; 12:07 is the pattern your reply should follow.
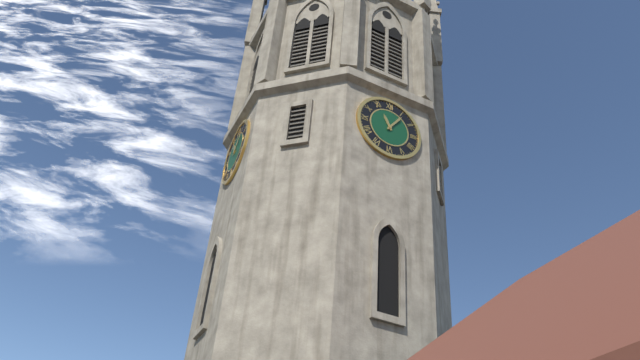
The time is 11:06
